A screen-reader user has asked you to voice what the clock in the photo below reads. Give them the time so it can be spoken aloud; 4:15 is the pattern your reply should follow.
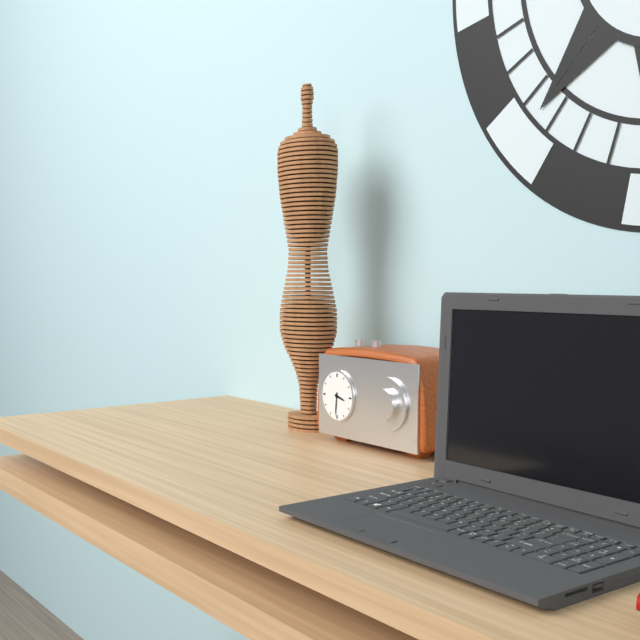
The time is 3:31
